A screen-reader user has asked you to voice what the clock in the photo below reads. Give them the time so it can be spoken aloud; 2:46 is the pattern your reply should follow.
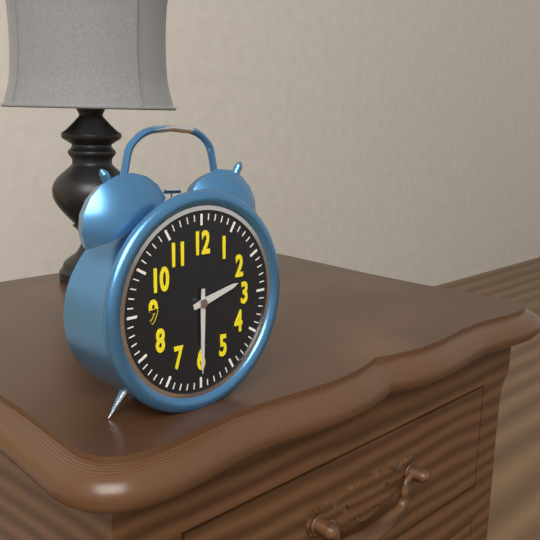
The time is 2:30
